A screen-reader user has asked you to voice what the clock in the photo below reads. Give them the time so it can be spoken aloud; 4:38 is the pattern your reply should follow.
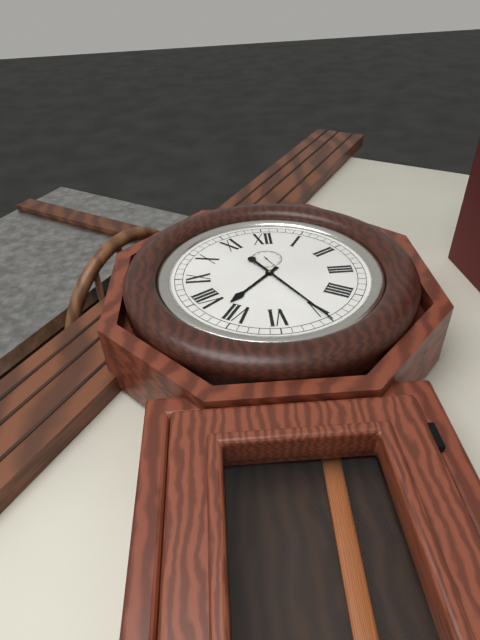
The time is 7:25
